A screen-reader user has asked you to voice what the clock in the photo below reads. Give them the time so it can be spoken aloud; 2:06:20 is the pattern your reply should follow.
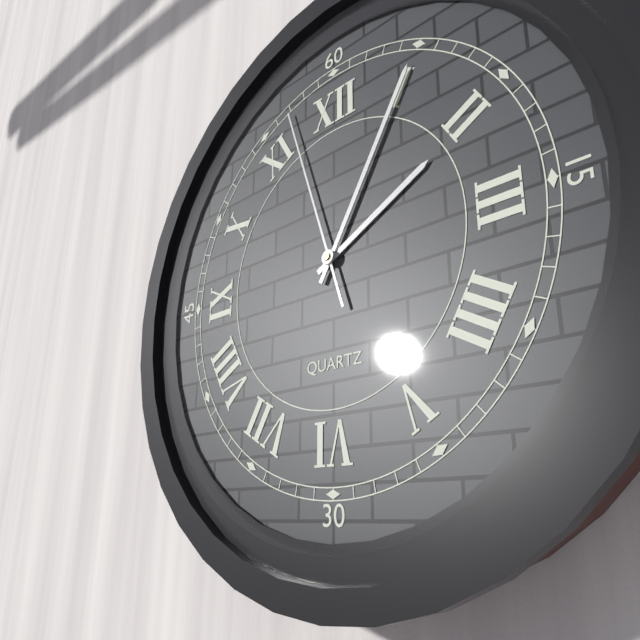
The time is 2:05:57
